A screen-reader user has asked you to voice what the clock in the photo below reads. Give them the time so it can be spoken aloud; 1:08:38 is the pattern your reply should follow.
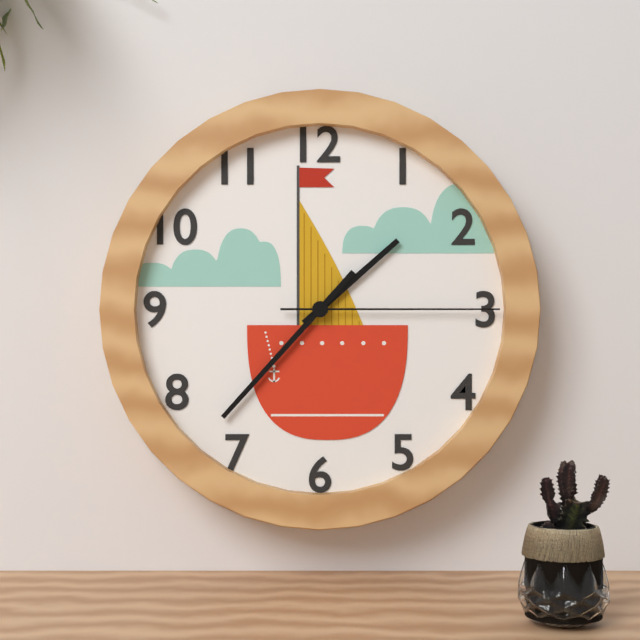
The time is 1:37:15
